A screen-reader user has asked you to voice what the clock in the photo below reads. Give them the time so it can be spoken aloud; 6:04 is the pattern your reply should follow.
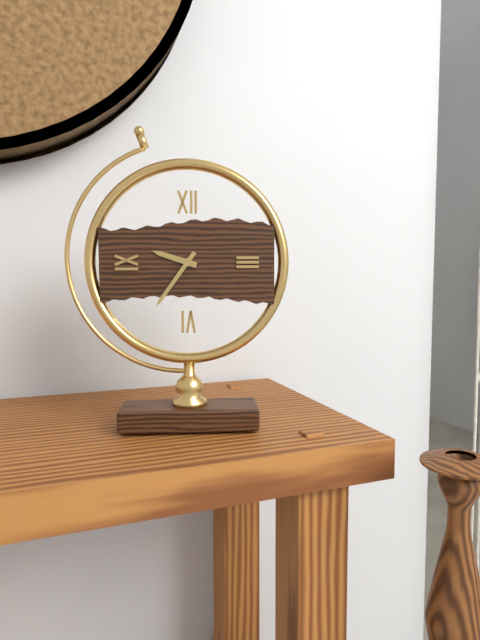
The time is 9:36
